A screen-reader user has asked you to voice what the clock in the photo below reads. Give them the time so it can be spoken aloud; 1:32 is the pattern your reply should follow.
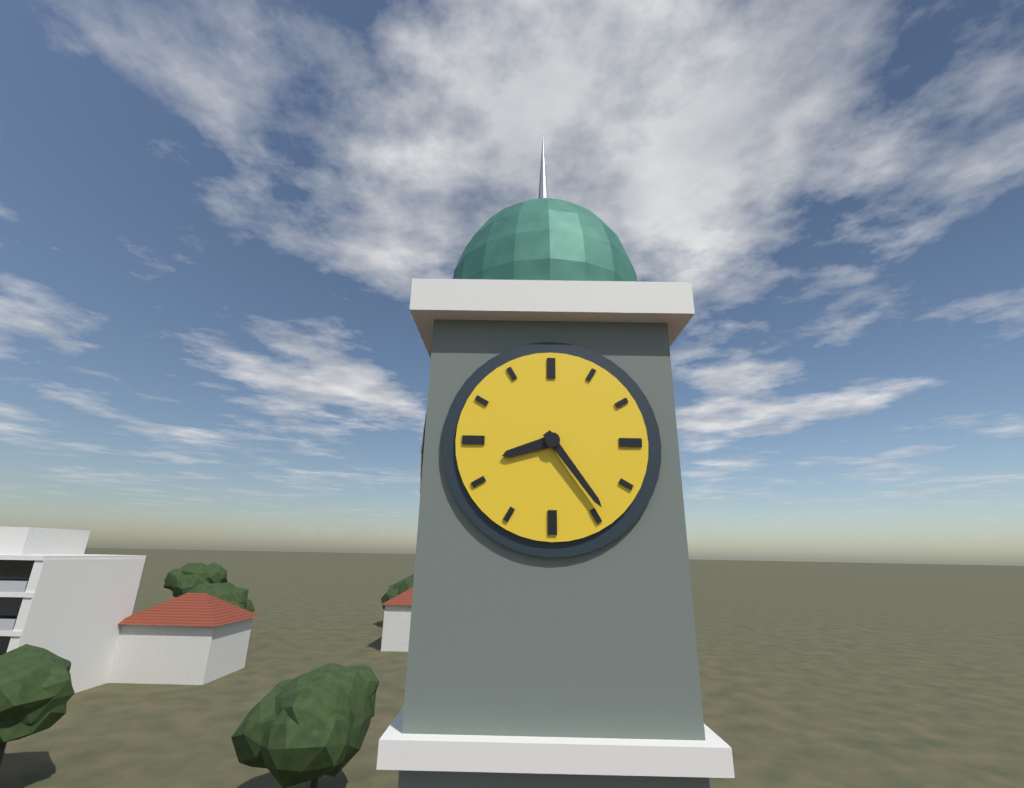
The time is 8:24
